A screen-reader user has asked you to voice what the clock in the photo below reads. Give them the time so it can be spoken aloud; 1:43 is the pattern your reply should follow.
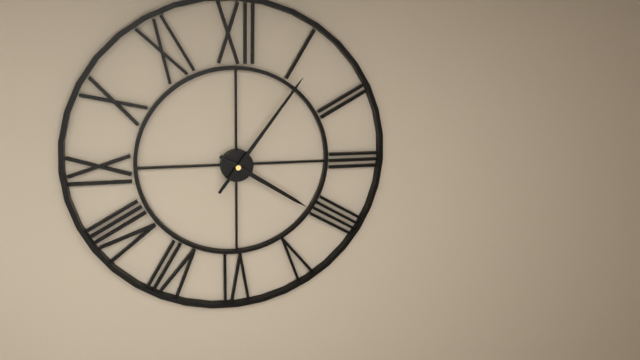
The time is 4:06
